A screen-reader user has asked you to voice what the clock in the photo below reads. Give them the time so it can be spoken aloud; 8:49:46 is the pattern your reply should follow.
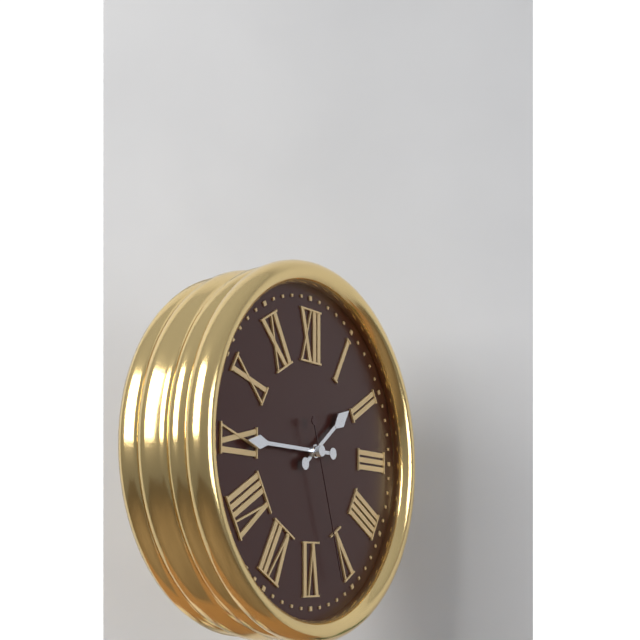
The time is 1:45:27
